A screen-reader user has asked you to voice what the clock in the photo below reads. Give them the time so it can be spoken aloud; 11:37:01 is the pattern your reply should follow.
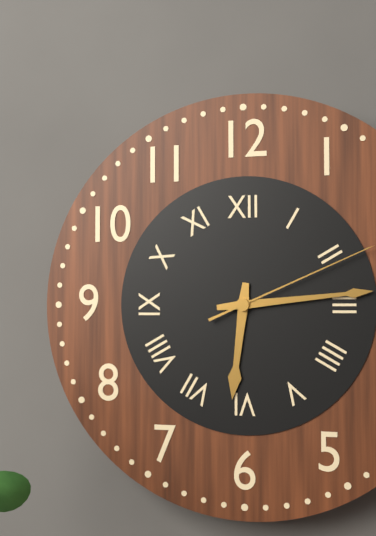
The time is 6:14:11
